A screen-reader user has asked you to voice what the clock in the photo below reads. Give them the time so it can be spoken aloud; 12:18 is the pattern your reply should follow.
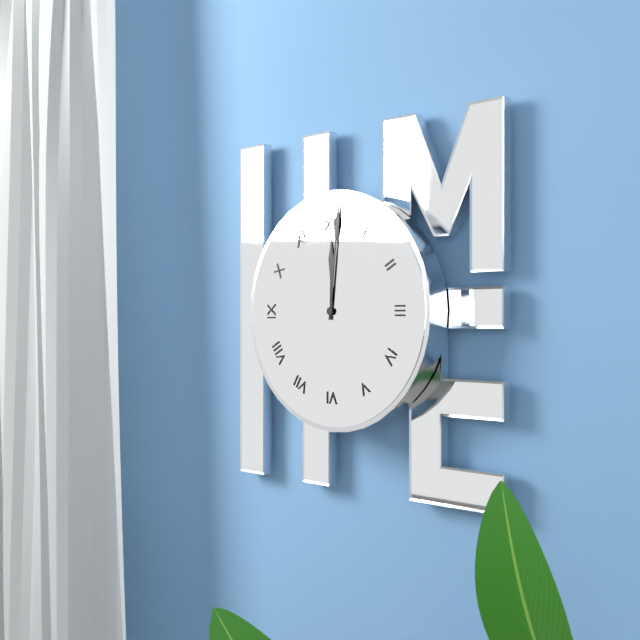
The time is 12:01
